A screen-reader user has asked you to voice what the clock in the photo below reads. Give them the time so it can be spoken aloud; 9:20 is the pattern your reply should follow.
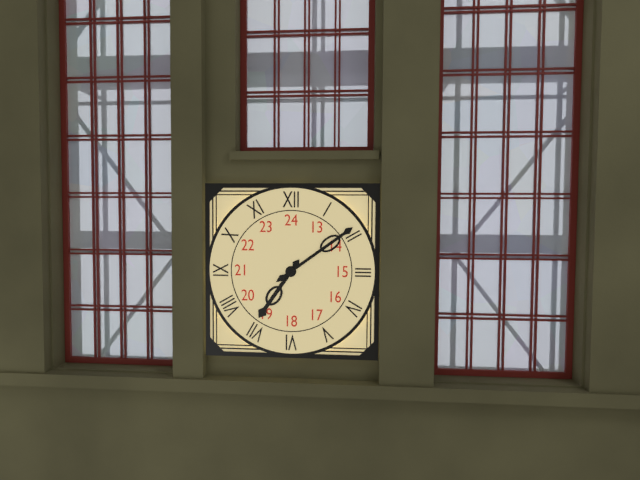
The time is 7:09
